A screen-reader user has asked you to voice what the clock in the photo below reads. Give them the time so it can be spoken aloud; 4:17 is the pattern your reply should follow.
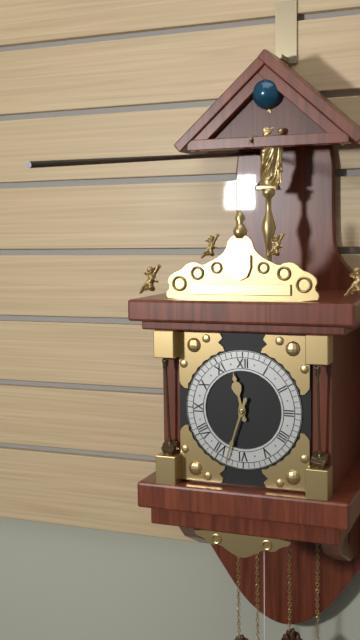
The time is 11:33
